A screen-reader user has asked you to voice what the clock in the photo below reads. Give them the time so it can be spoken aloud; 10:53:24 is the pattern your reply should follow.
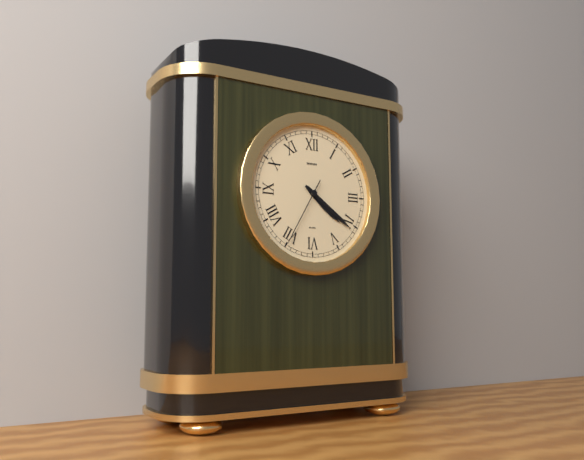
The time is 4:21:35
